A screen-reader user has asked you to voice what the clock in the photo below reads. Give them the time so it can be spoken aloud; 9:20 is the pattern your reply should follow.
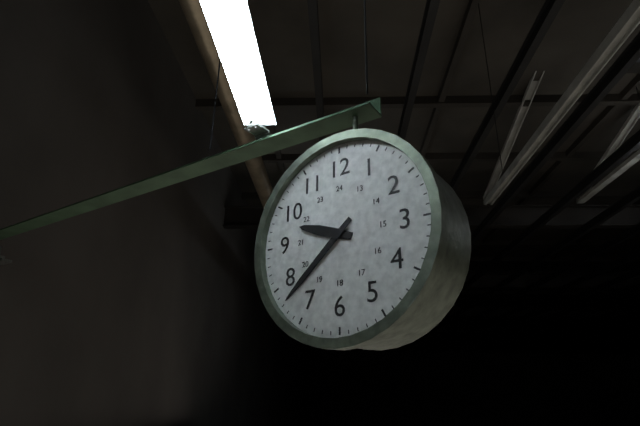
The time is 9:38
